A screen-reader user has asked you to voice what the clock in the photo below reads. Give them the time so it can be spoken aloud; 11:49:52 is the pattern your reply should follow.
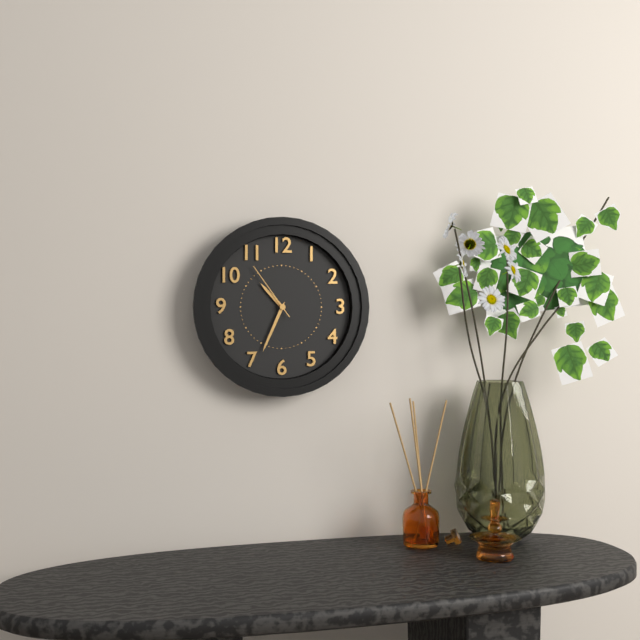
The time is 10:34:54
